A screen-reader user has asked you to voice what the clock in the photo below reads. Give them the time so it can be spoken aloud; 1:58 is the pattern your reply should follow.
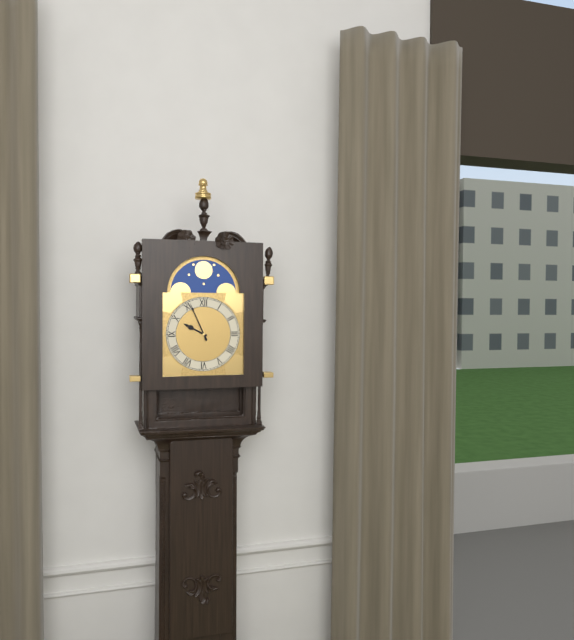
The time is 9:56
